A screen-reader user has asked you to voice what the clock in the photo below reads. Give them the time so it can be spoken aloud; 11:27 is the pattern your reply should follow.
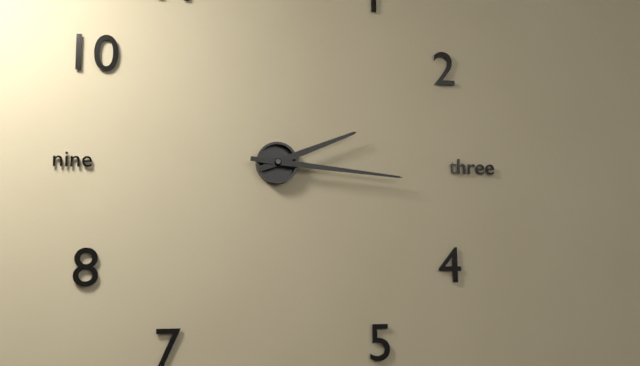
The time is 2:16
